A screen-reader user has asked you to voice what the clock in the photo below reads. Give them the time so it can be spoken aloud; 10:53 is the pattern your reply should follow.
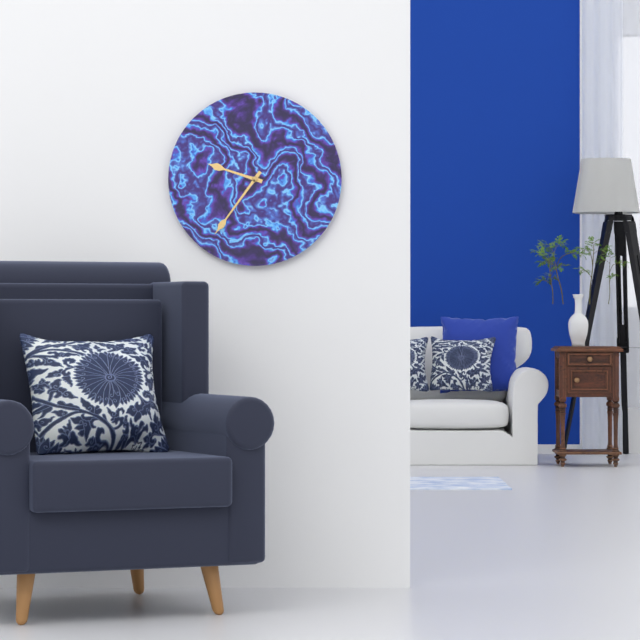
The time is 9:36
